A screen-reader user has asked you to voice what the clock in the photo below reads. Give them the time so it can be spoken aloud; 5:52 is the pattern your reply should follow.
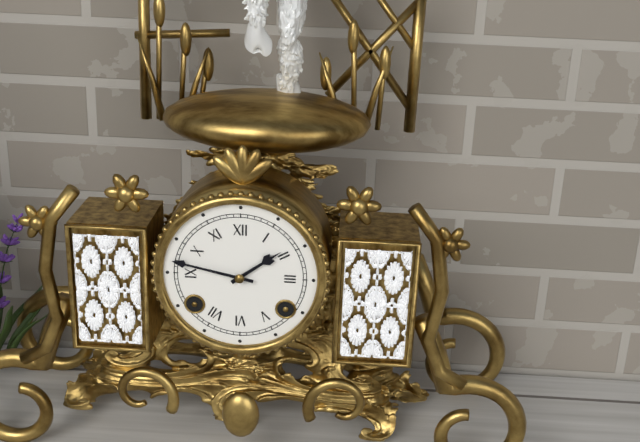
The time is 1:47
